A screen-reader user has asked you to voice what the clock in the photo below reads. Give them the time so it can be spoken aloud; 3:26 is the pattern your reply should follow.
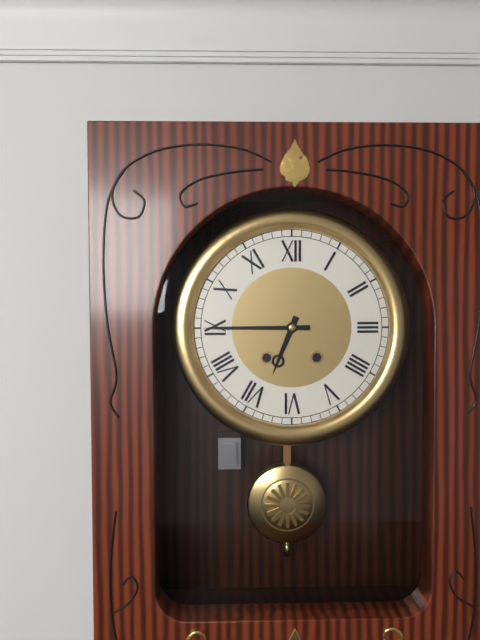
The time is 6:45
